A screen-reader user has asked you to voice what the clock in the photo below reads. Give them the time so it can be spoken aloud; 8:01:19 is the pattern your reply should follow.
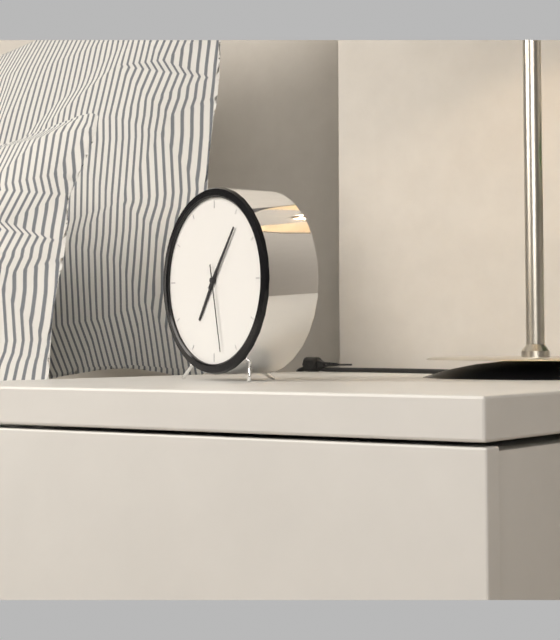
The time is 7:06:28
